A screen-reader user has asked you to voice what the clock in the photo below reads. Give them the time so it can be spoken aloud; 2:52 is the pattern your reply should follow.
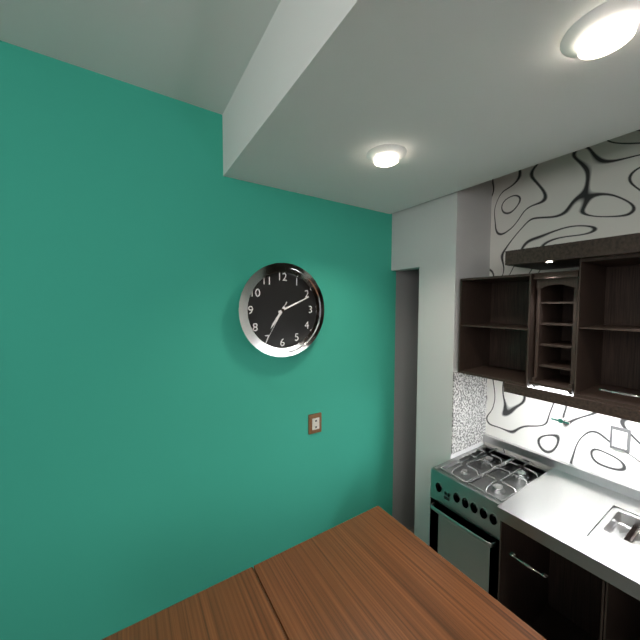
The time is 7:11
